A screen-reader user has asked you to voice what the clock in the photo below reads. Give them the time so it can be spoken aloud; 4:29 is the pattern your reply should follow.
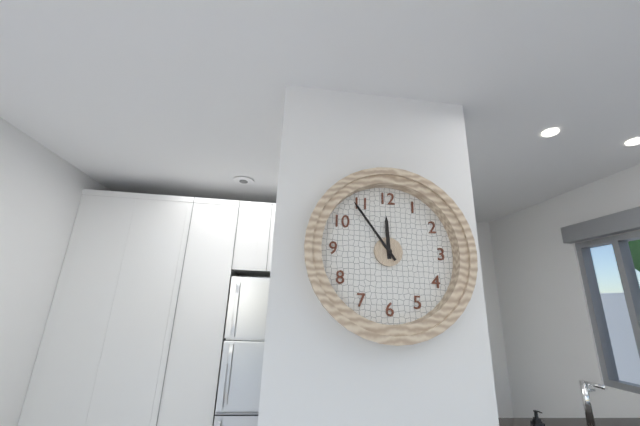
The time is 11:54
